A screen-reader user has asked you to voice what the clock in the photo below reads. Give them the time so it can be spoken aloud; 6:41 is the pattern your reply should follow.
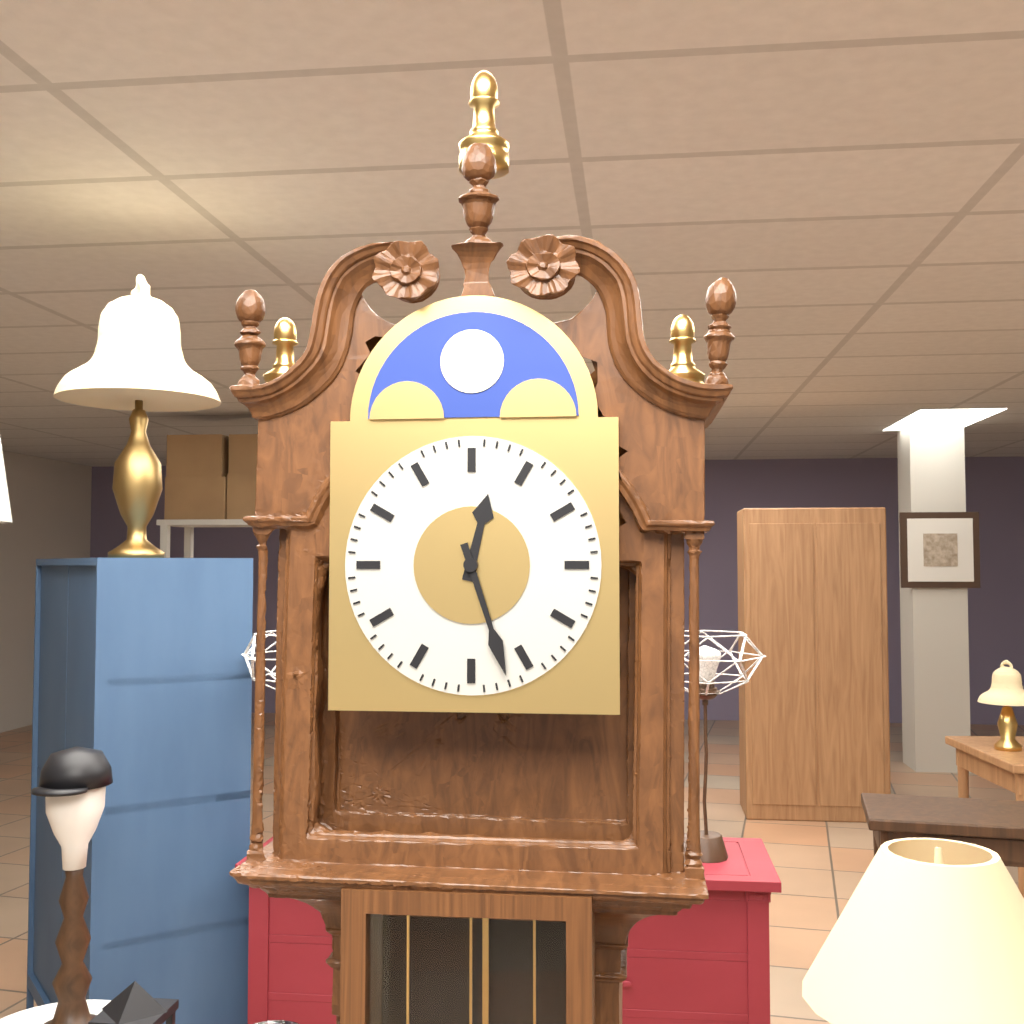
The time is 12:27
